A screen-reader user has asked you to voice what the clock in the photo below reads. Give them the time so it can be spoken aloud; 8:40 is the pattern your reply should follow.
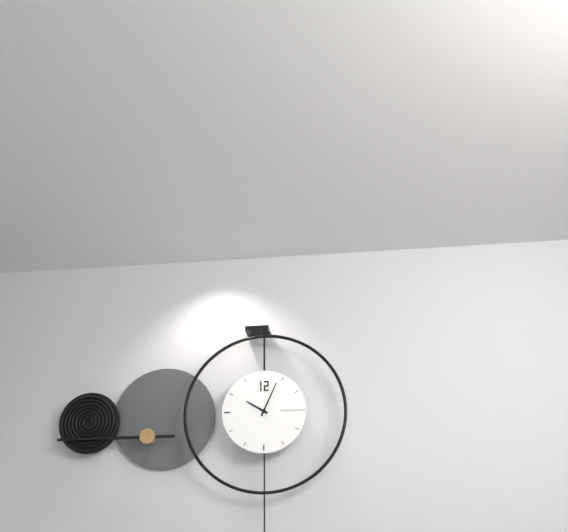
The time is 10:04
